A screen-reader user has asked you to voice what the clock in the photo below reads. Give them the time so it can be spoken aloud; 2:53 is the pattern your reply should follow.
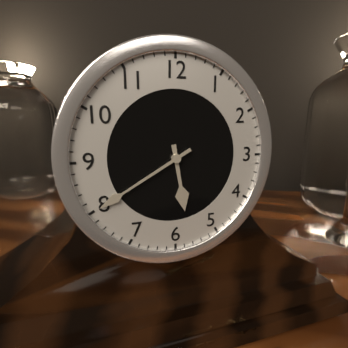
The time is 5:40
